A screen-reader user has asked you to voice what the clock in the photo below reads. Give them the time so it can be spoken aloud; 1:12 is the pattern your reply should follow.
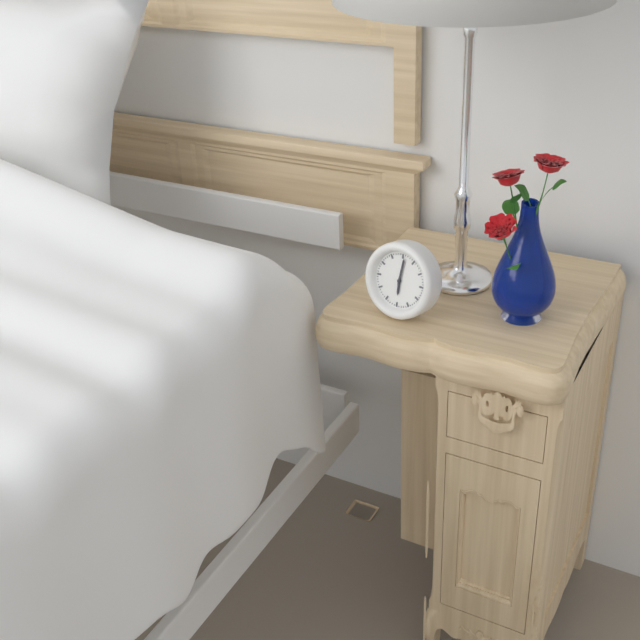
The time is 6:01
